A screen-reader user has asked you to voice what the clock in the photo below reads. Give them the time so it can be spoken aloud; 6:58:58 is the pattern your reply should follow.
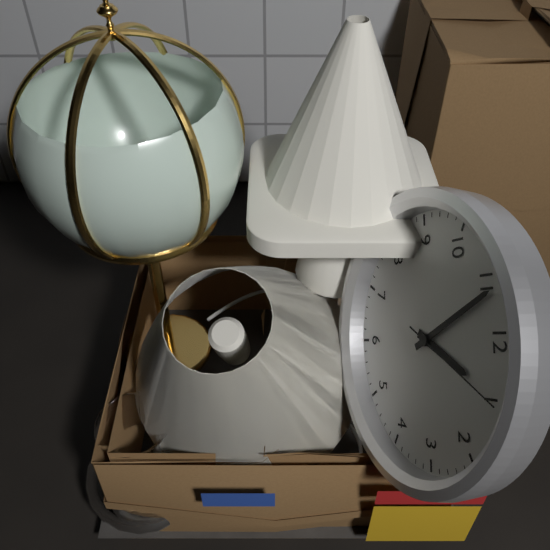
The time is 12:56:05
